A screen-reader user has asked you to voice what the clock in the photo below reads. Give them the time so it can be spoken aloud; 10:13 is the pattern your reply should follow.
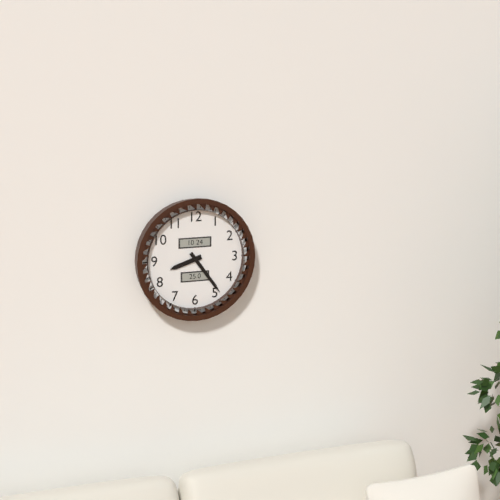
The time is 8:24
